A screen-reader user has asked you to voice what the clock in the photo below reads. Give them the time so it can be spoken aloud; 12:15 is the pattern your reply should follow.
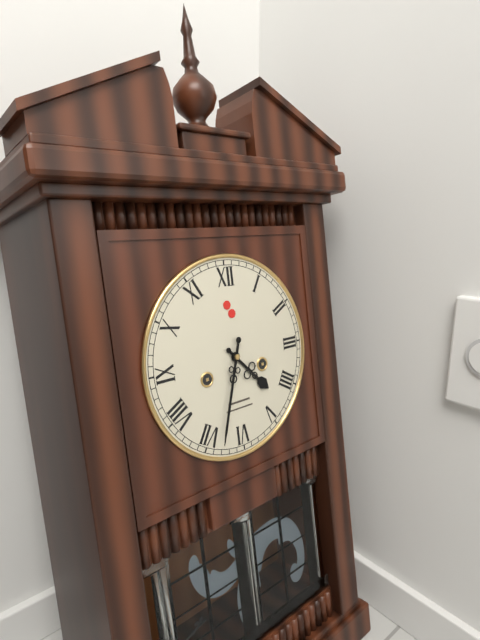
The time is 4:33
